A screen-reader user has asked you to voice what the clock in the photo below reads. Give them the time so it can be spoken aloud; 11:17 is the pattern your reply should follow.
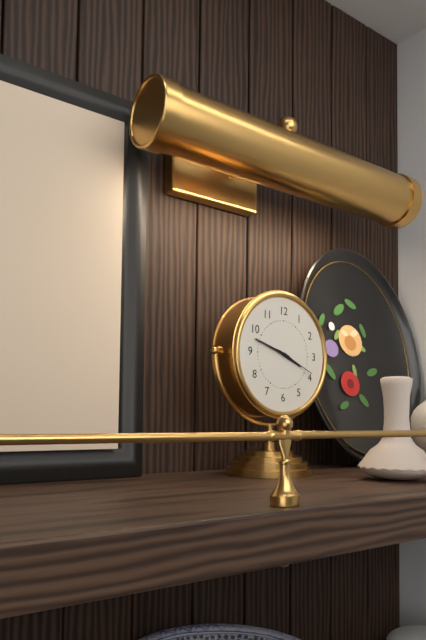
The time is 3:48
